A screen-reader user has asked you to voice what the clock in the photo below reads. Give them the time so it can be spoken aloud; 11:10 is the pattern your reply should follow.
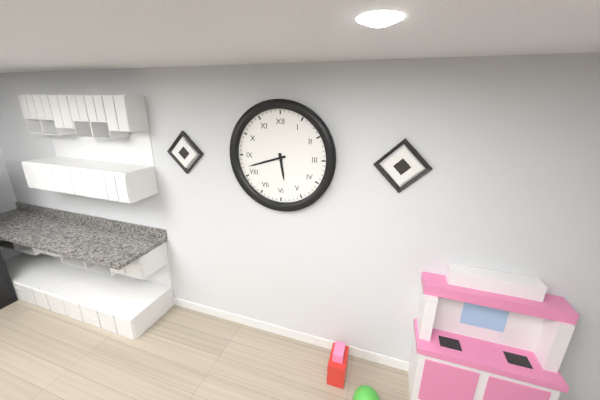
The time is 5:42
